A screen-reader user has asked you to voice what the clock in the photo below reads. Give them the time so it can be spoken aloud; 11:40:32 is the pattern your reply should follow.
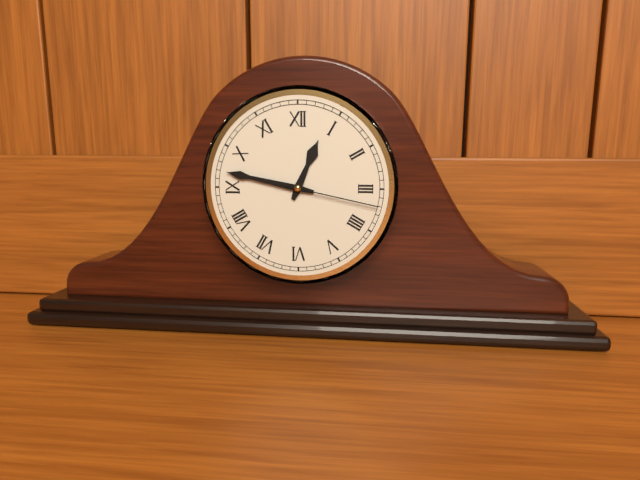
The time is 12:47:17
